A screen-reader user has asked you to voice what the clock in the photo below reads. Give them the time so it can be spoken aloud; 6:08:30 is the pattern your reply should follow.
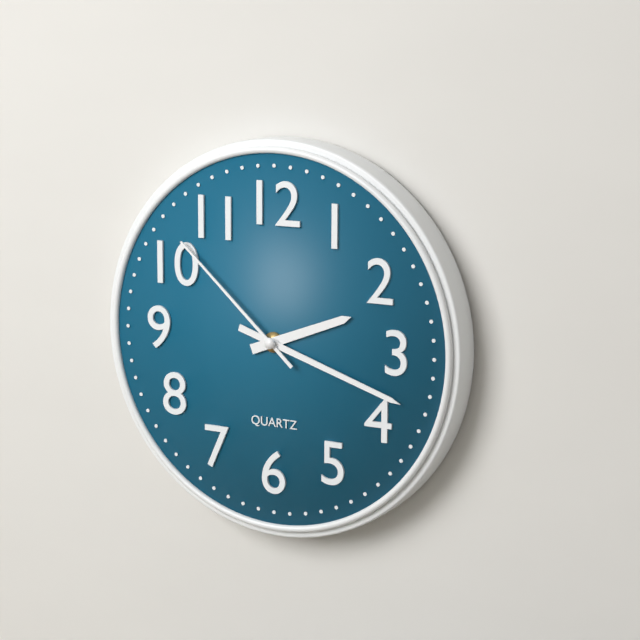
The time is 2:18:52
